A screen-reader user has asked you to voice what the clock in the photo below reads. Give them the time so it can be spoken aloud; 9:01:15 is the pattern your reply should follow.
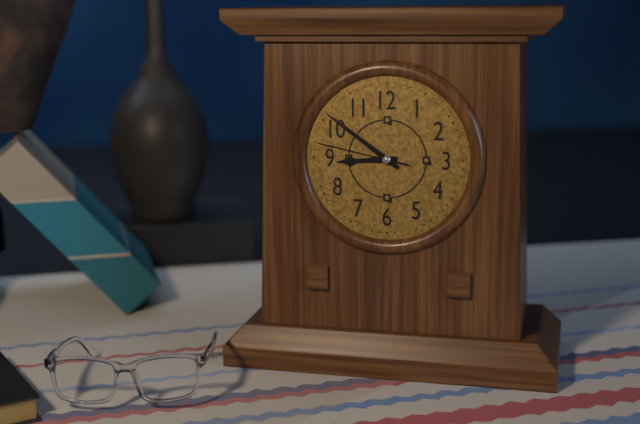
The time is 8:51:47
